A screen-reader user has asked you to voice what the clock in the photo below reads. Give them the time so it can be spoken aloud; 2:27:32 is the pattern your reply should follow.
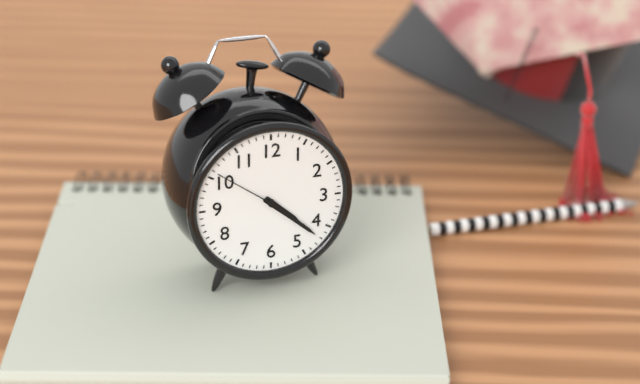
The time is 4:22:51
